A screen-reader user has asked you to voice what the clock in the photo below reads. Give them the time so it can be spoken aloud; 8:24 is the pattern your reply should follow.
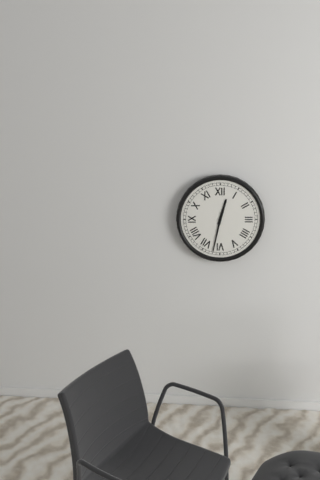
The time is 12:32
